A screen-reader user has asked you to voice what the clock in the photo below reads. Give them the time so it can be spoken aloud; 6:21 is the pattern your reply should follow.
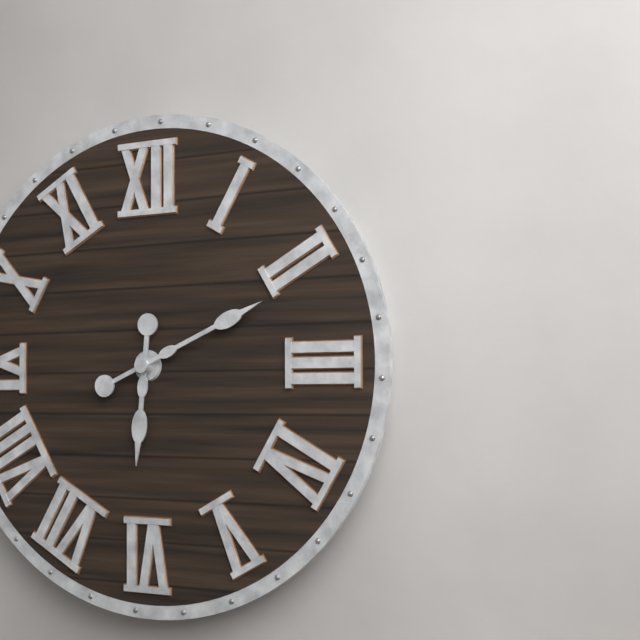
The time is 6:11
